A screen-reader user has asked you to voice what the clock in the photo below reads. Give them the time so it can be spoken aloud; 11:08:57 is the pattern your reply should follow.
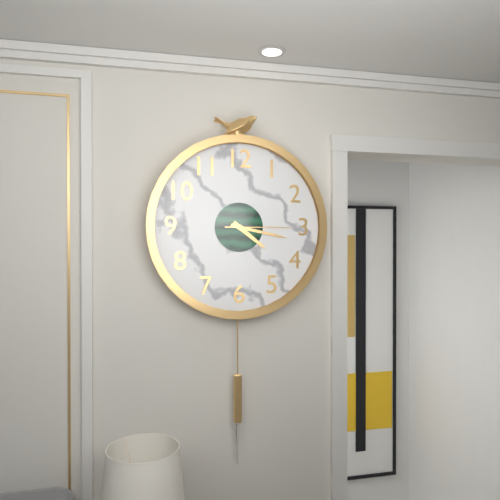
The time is 4:17:15
